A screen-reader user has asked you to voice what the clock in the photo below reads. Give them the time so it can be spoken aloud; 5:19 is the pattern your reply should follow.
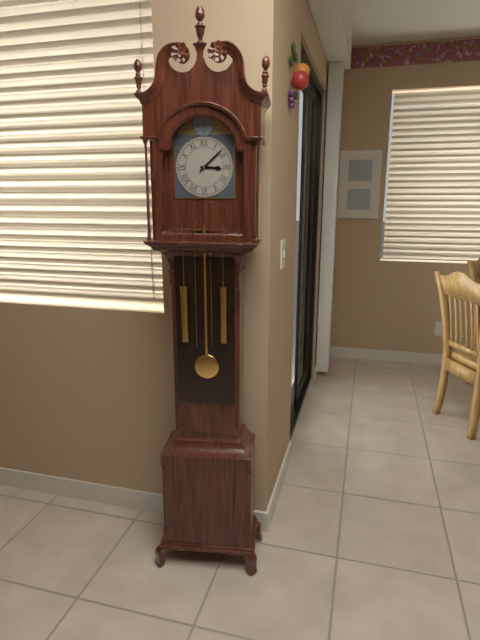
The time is 3:08
